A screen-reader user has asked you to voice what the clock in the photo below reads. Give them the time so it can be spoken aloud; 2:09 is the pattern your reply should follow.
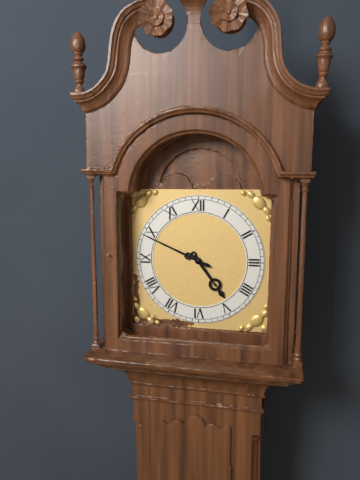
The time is 4:49
